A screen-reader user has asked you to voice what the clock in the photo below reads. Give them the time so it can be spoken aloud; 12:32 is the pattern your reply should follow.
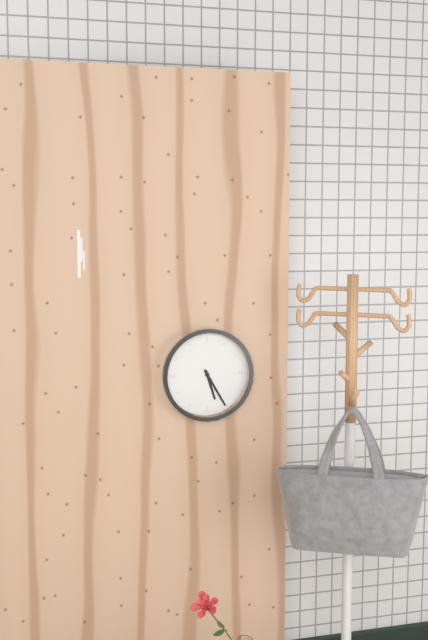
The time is 5:25
